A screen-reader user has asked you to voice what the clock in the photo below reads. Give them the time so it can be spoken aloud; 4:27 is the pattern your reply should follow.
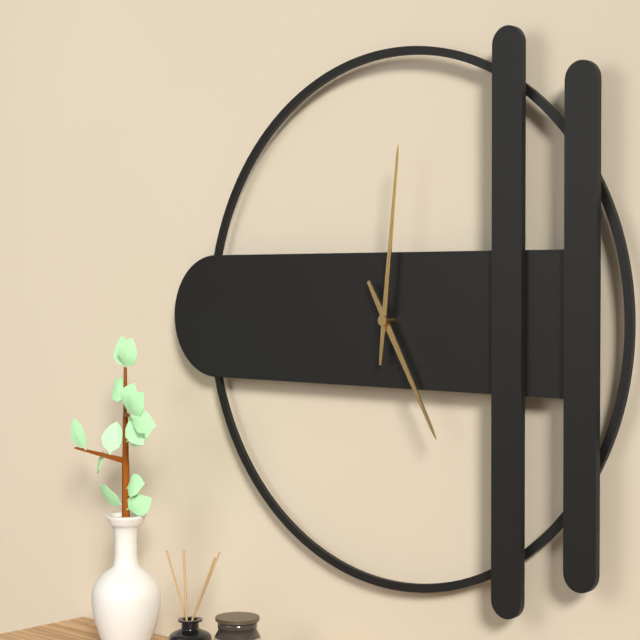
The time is 5:01
